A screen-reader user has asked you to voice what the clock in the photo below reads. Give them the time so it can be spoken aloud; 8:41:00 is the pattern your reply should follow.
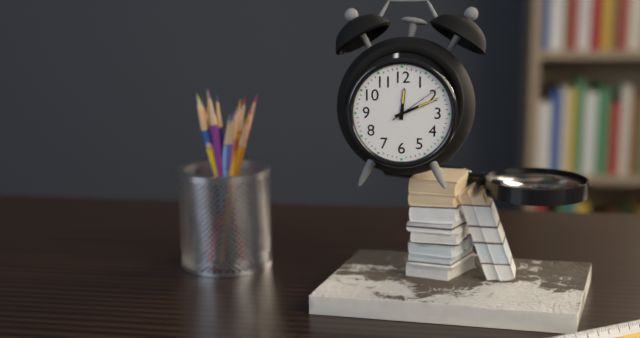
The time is 12:11:09
